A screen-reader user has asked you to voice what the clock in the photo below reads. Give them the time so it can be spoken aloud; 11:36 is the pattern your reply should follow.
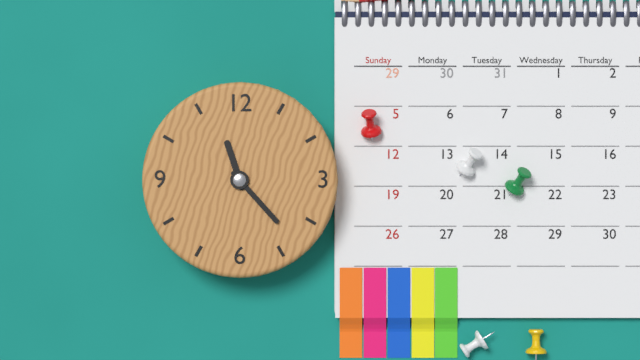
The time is 11:23
